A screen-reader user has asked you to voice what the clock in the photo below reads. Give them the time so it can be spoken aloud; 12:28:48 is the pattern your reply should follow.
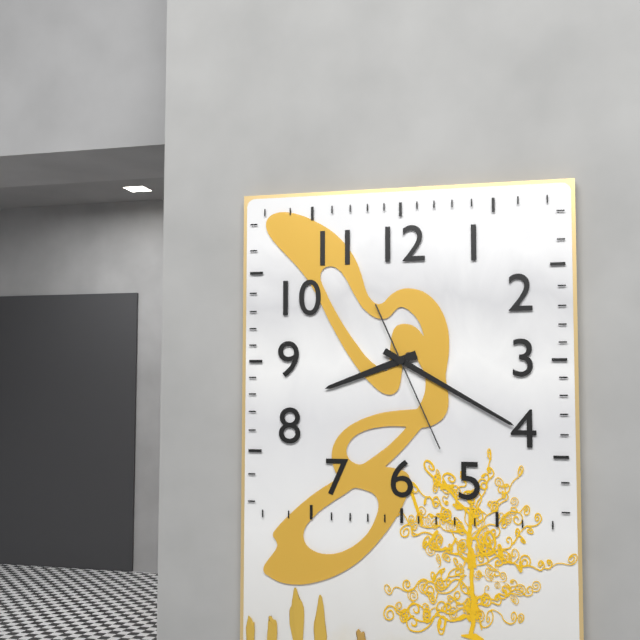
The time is 8:20:26
